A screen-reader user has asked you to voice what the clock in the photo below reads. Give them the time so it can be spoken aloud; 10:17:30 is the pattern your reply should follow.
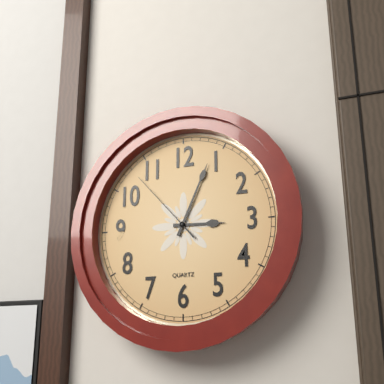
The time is 3:04:53
